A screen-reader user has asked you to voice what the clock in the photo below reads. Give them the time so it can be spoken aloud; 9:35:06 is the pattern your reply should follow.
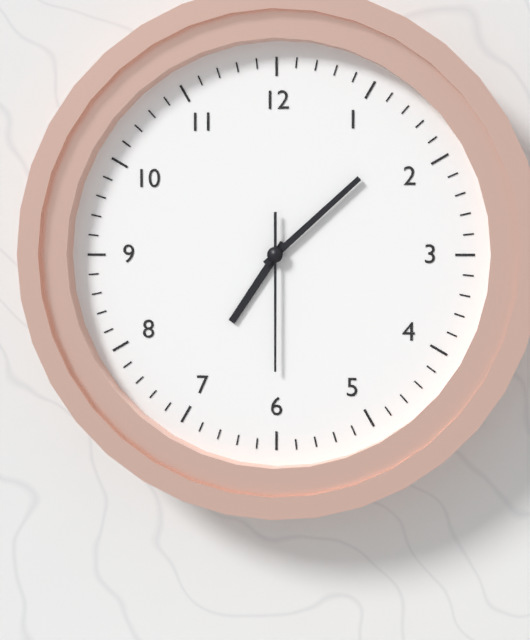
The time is 7:08:30
